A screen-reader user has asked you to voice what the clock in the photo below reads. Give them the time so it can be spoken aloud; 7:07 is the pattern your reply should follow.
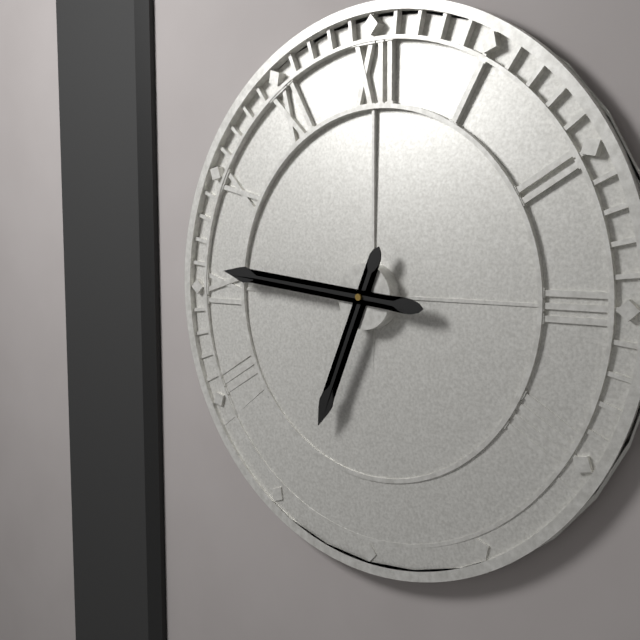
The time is 6:46
